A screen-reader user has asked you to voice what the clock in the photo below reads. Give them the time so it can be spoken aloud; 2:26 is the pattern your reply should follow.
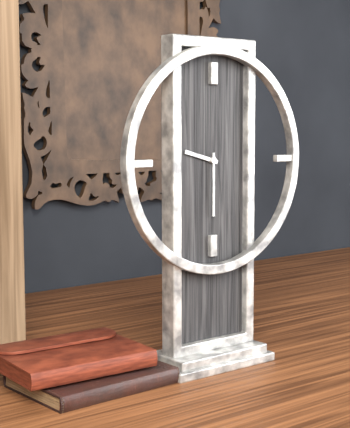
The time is 9:30
